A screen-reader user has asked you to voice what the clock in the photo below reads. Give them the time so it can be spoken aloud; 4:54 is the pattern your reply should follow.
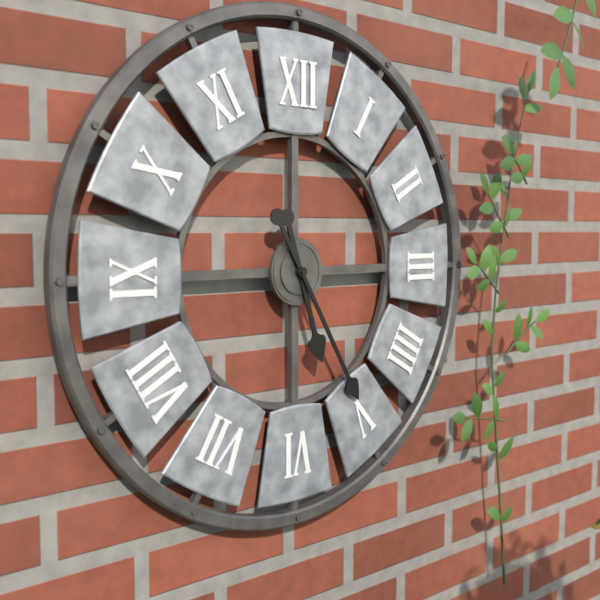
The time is 5:25
